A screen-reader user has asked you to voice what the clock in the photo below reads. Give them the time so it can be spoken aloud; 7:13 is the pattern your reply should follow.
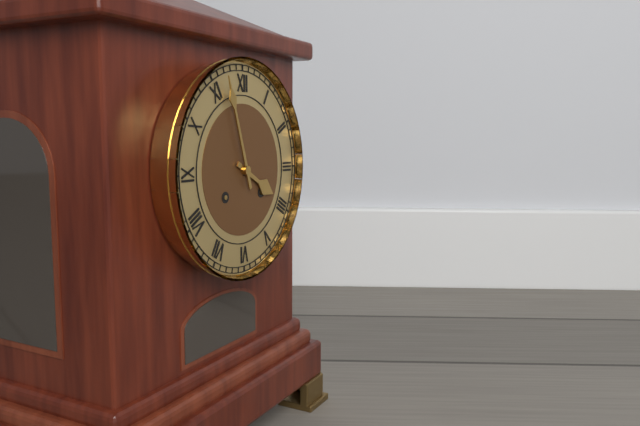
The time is 3:57
